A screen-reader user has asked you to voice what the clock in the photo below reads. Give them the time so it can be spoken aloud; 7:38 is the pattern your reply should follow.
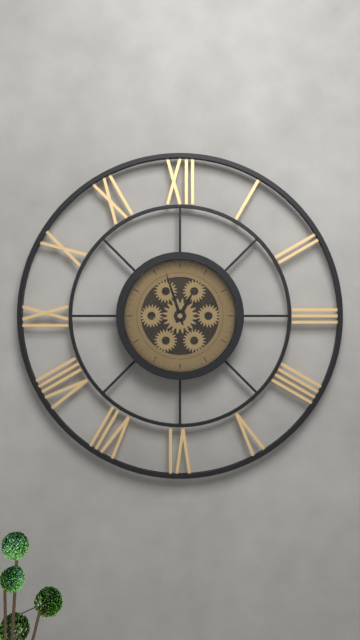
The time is 12:57
